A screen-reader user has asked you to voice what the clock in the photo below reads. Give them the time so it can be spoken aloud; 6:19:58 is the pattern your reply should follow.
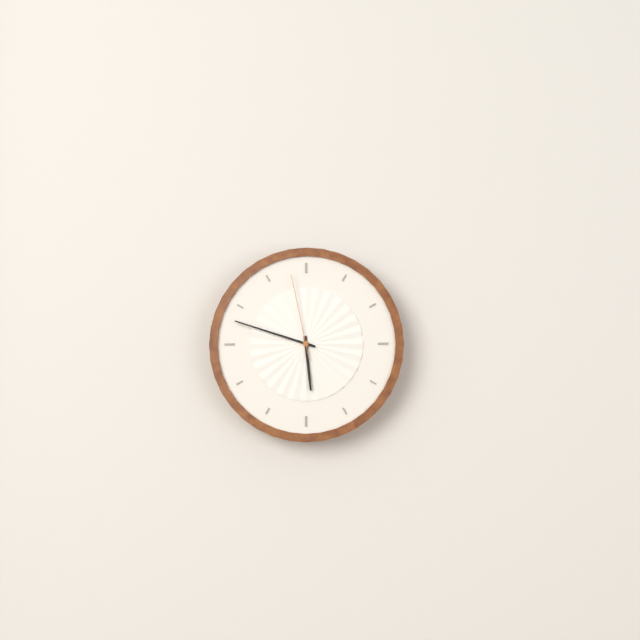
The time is 5:48:58
